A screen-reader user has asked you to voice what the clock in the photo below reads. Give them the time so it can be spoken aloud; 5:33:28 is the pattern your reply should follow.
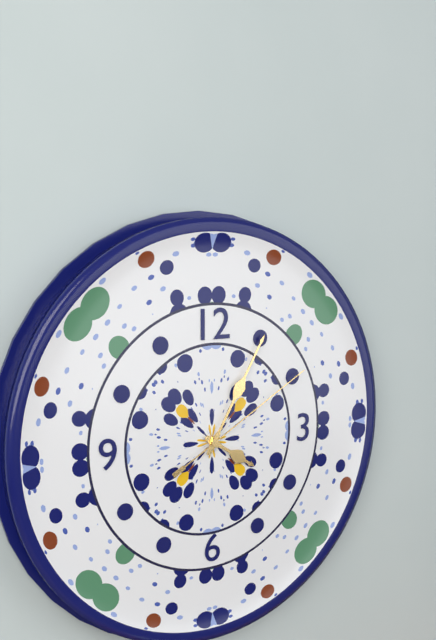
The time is 4:05:10
